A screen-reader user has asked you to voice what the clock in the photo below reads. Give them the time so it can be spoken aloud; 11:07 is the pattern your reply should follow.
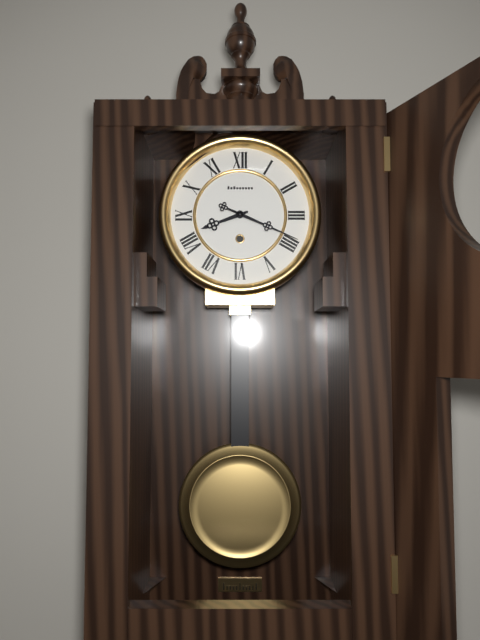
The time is 8:19
